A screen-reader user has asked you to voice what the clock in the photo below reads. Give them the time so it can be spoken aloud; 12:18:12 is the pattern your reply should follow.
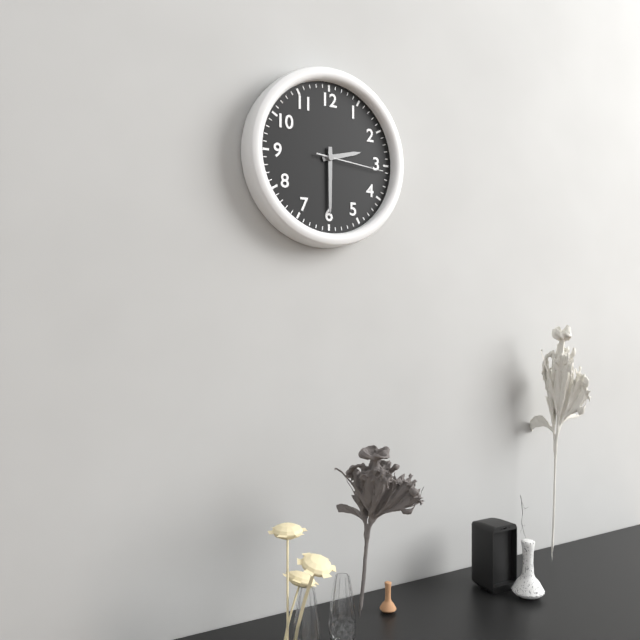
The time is 2:30:16
